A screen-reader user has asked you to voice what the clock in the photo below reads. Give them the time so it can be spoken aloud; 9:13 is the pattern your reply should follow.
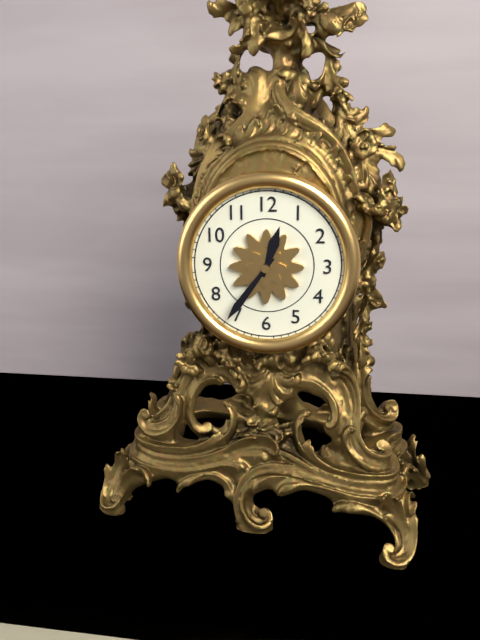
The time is 12:36
